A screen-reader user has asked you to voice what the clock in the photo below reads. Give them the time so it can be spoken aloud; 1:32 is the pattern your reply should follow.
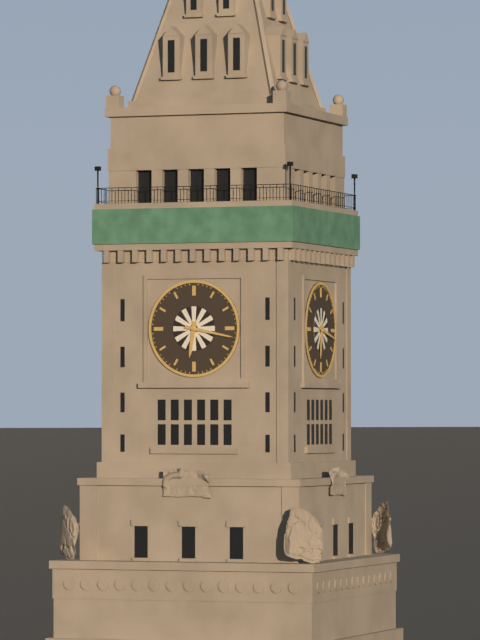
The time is 6:17
